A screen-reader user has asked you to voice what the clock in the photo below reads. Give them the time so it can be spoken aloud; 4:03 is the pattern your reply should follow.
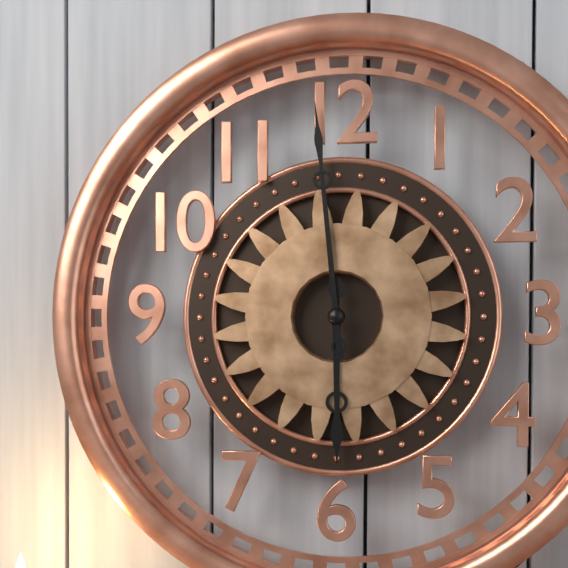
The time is 5:59
